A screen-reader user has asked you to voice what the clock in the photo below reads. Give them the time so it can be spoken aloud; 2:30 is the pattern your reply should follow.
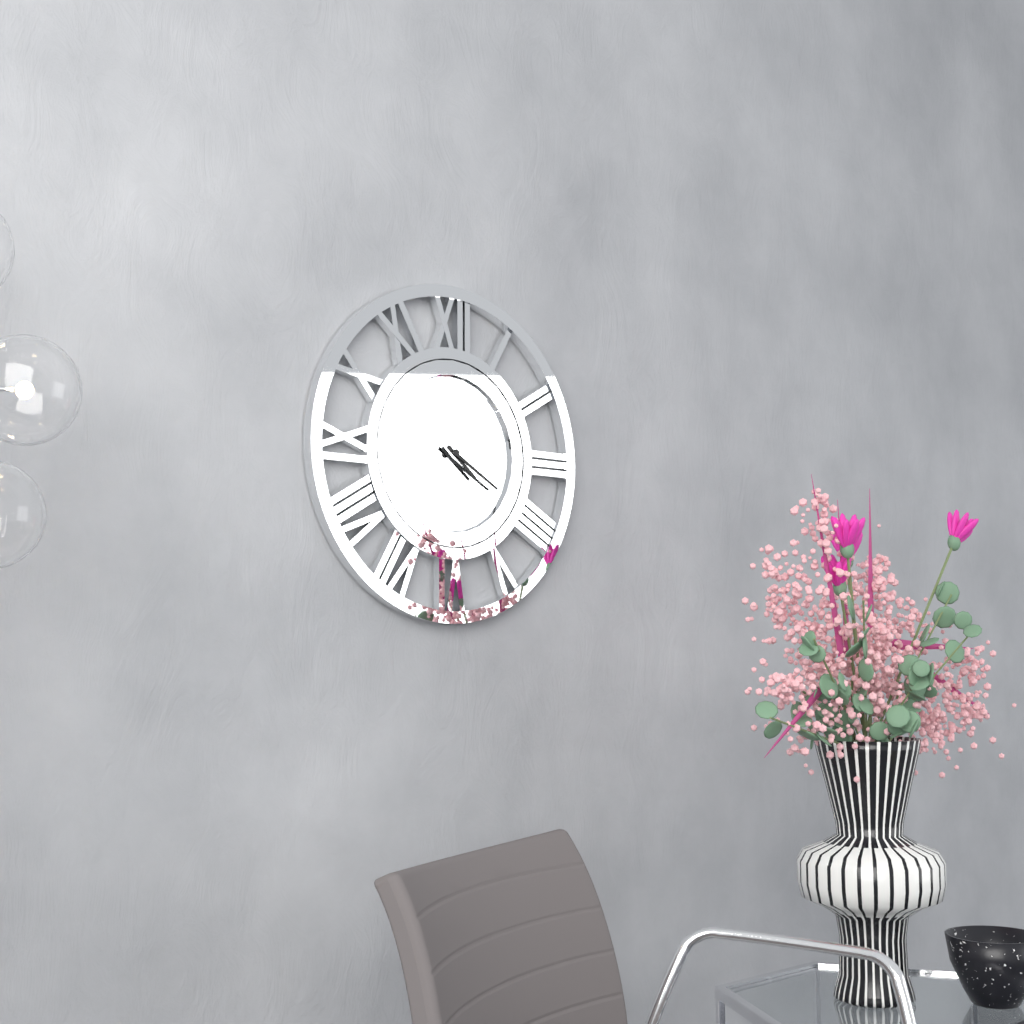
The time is 4:20
